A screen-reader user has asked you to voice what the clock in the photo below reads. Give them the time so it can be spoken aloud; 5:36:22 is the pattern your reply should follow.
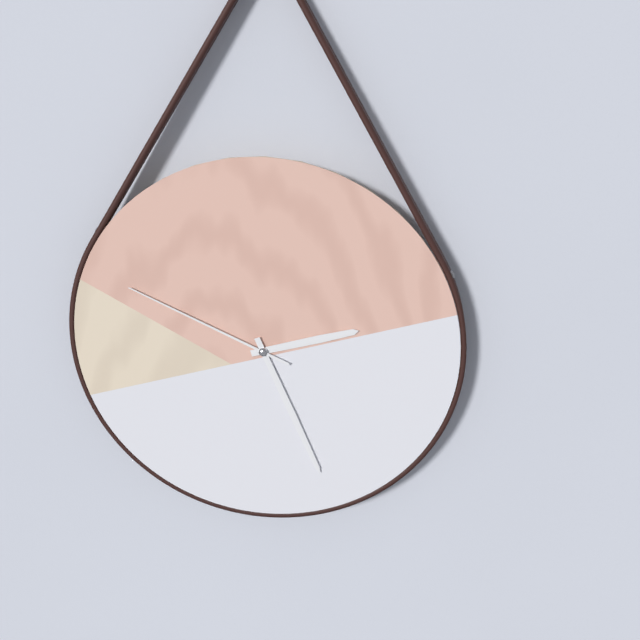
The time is 2:26:49
